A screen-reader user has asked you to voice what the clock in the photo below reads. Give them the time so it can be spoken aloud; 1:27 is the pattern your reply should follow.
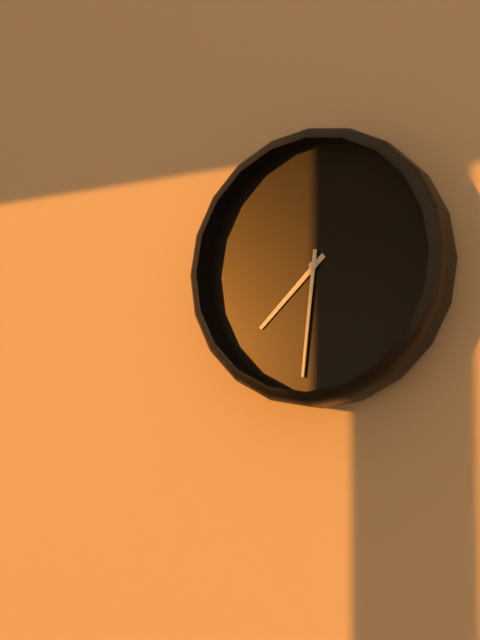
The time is 7:31
